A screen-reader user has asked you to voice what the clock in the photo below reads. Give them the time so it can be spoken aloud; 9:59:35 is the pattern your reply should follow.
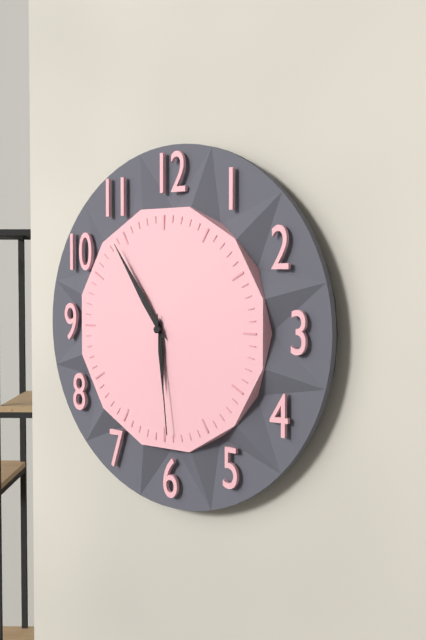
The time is 5:54:29
